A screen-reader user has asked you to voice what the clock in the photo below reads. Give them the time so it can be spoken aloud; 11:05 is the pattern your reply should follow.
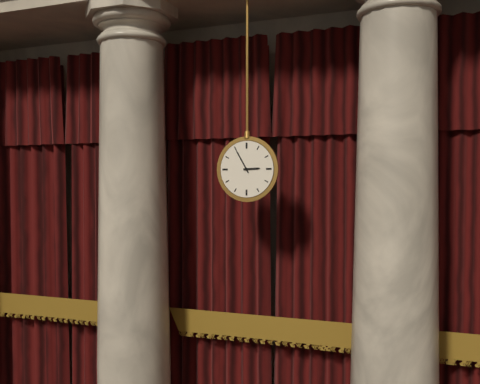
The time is 2:55
